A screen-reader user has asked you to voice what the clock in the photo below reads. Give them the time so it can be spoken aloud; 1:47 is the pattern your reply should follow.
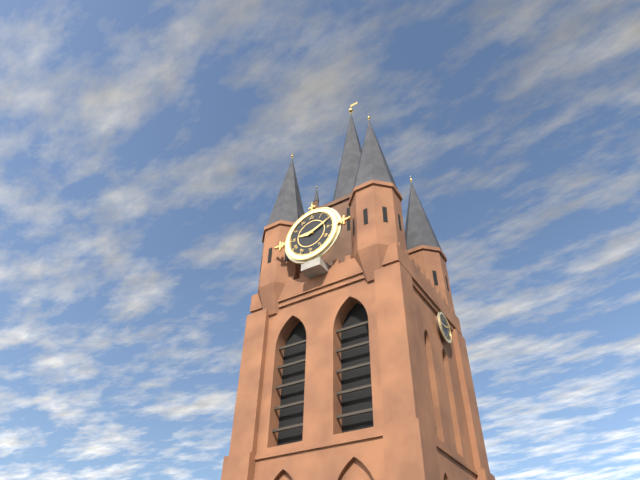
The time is 9:11
